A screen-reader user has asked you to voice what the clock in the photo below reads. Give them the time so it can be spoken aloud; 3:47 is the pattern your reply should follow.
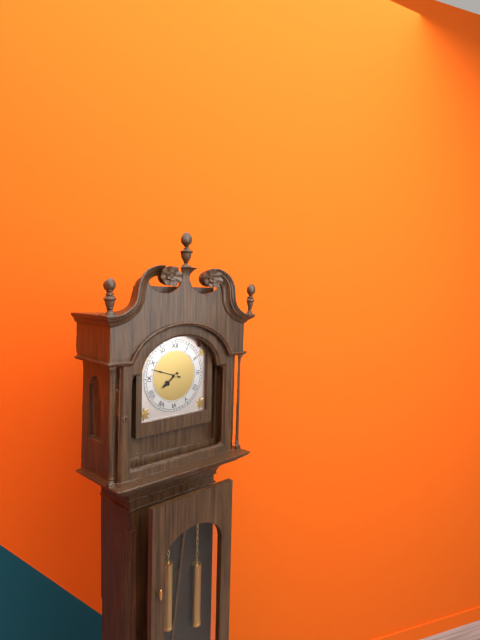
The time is 7:48
